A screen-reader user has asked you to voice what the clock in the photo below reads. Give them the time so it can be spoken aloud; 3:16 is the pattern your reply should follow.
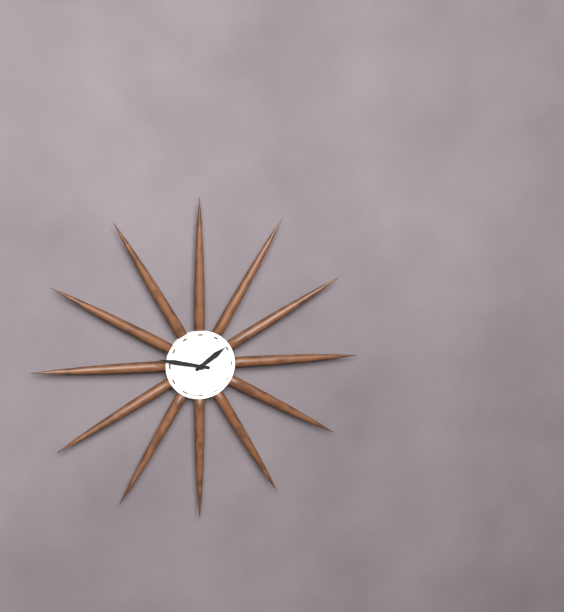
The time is 1:47
